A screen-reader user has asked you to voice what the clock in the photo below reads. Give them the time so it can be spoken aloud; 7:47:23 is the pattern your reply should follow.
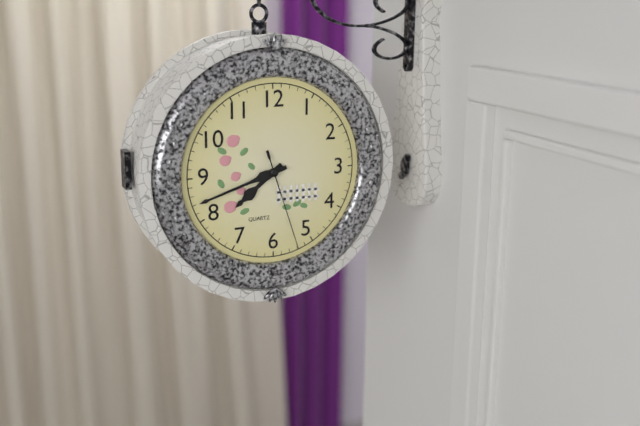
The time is 7:42:27
